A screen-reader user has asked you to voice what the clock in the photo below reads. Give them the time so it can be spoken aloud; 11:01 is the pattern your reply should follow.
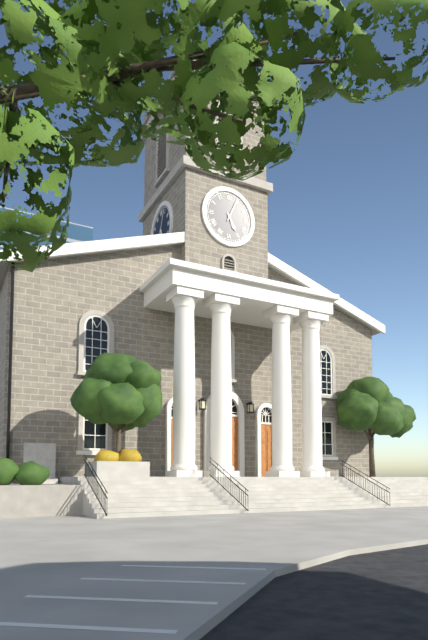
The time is 5:04
